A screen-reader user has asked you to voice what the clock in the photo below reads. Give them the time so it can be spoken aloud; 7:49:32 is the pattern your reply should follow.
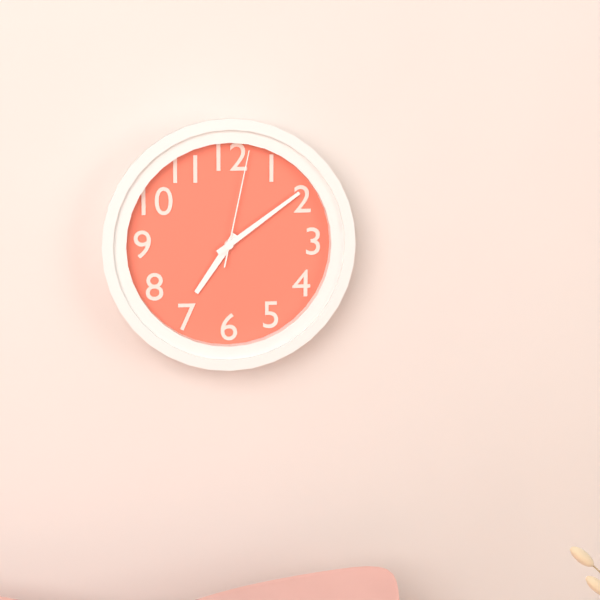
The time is 7:09:02
